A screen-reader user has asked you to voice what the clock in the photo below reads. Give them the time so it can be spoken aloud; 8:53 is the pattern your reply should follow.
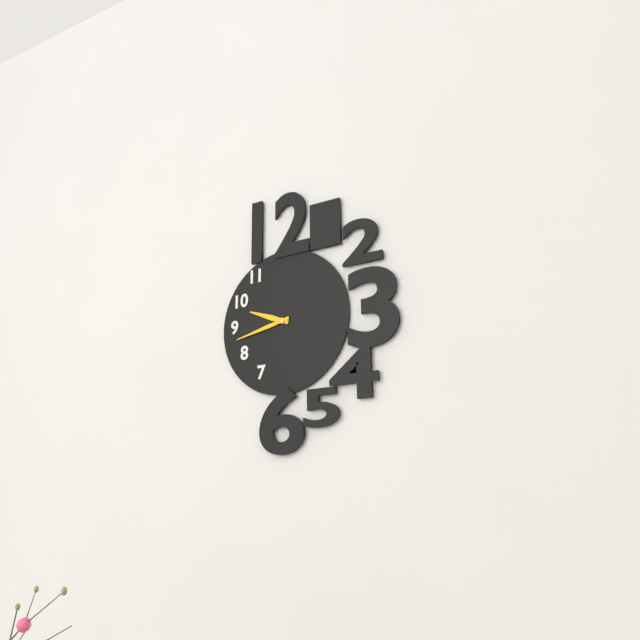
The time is 9:43
